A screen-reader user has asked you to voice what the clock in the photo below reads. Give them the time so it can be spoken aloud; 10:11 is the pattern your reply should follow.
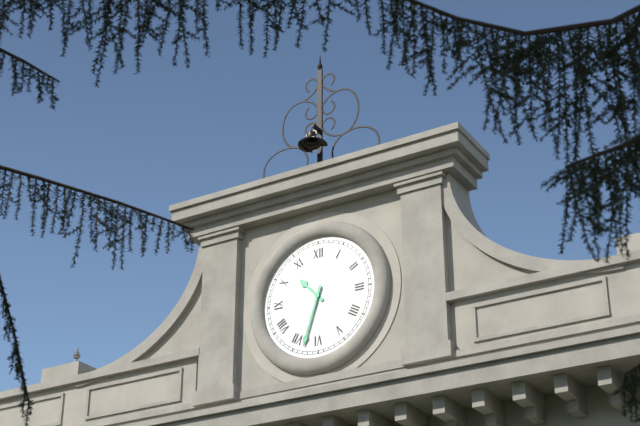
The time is 10:33
